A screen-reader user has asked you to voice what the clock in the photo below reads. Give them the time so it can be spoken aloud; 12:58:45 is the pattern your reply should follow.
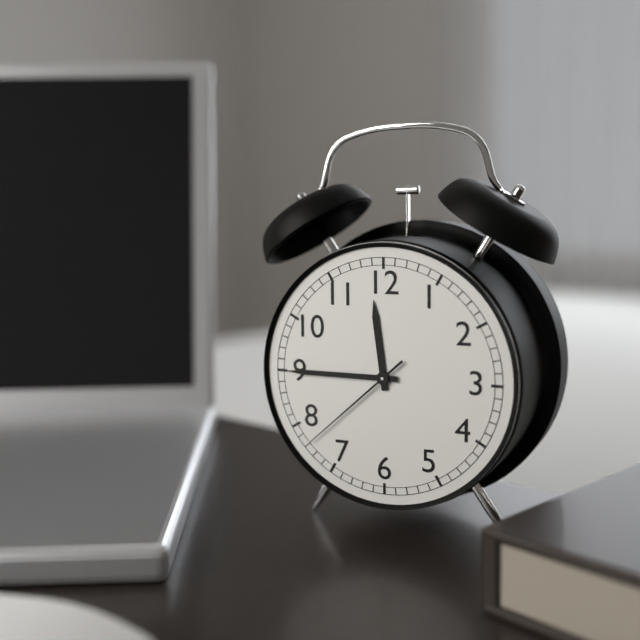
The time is 11:45:38
